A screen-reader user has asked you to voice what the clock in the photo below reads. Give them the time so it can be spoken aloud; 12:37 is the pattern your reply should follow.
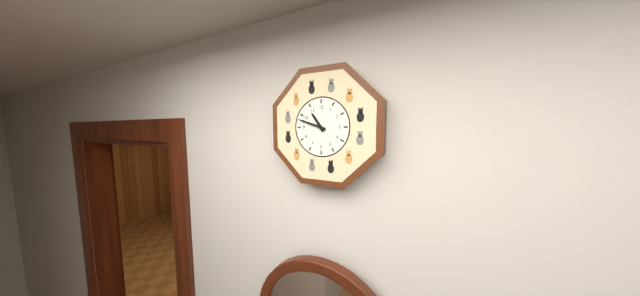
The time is 10:48
